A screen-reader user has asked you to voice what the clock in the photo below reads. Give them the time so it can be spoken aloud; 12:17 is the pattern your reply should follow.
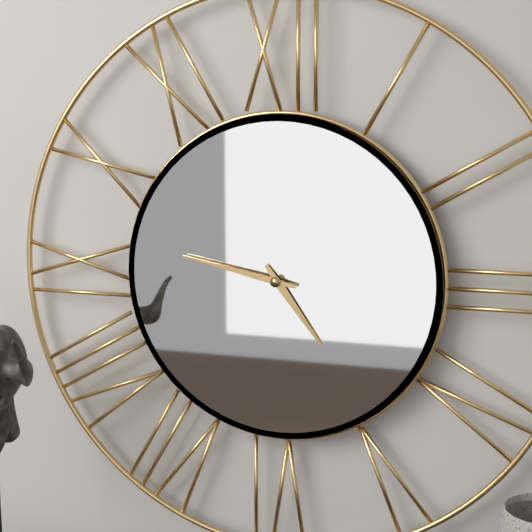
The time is 4:47
